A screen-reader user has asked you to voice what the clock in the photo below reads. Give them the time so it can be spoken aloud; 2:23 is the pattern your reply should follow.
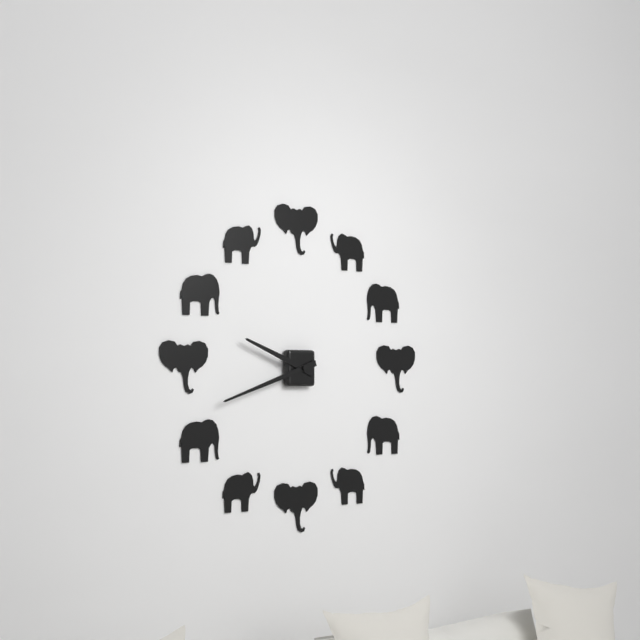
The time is 9:42
